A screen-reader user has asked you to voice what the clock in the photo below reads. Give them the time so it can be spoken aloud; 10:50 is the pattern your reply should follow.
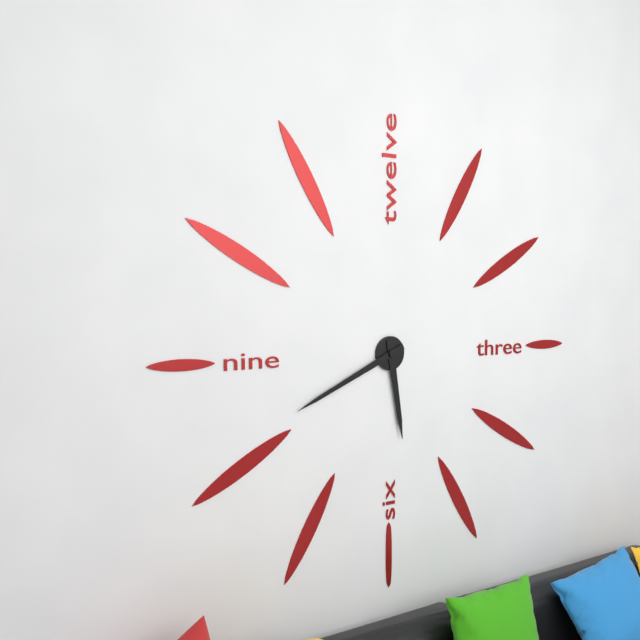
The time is 5:41
